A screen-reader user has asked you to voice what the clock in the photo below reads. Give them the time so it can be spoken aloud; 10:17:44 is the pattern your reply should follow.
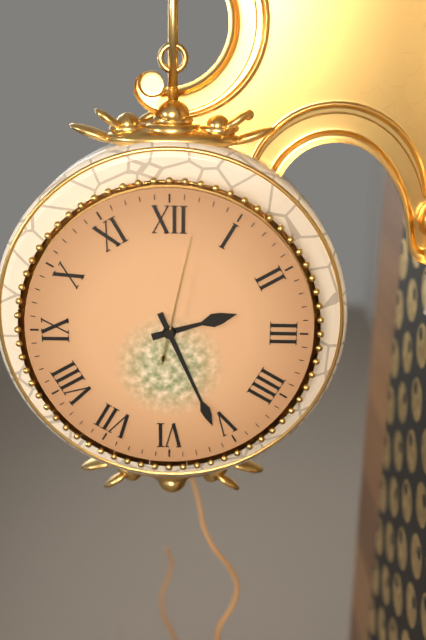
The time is 2:26:02
